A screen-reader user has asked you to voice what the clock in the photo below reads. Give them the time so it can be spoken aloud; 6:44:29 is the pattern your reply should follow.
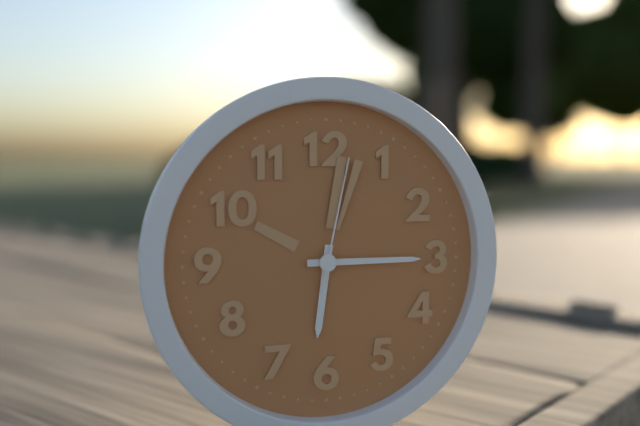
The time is 6:15:02
